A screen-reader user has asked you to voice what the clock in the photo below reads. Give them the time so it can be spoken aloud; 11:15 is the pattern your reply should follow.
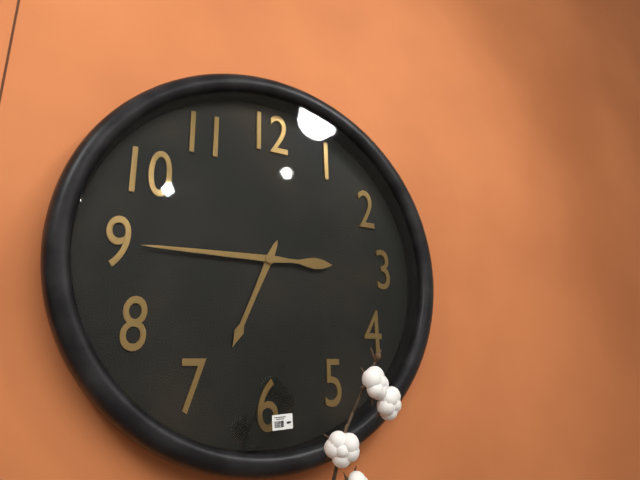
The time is 6:45
